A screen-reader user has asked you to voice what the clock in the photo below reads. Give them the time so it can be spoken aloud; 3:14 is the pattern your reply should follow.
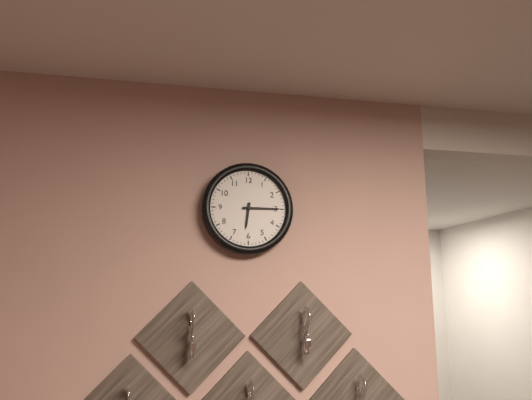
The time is 6:15
